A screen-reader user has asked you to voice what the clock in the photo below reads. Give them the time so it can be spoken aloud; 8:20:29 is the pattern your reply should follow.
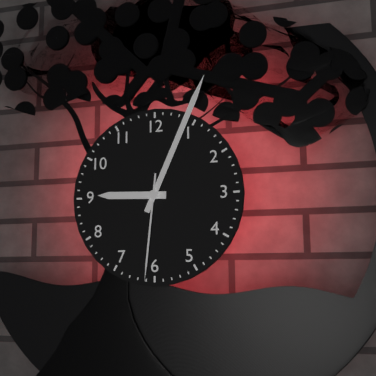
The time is 9:04:31
